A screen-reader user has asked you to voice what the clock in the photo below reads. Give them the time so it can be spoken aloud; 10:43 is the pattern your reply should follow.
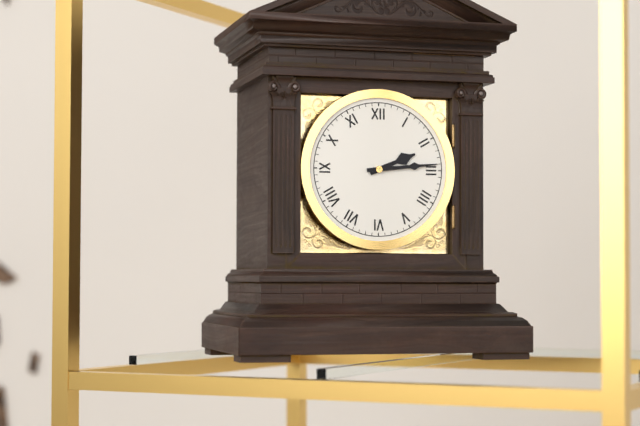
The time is 2:14
